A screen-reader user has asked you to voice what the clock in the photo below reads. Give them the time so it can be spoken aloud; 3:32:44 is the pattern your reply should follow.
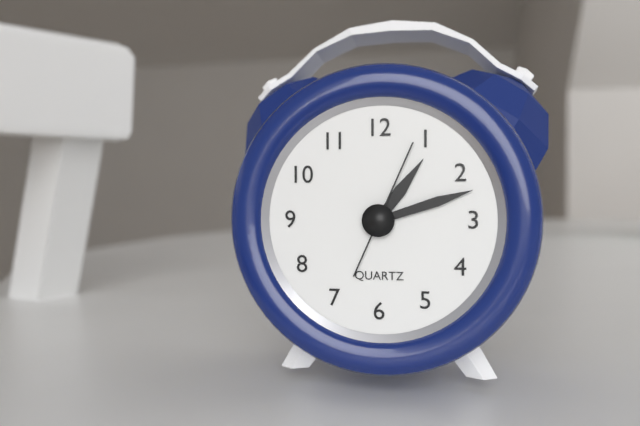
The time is 1:12:04
